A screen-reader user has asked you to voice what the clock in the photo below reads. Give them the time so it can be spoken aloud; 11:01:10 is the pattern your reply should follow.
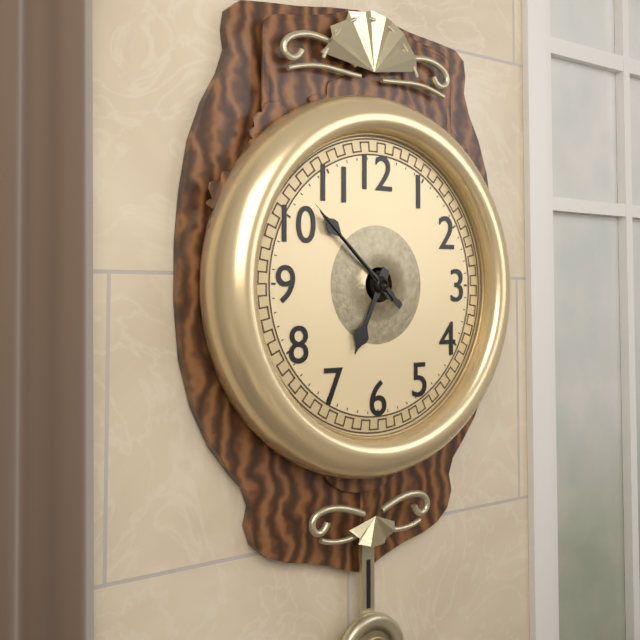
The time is 6:52:52
